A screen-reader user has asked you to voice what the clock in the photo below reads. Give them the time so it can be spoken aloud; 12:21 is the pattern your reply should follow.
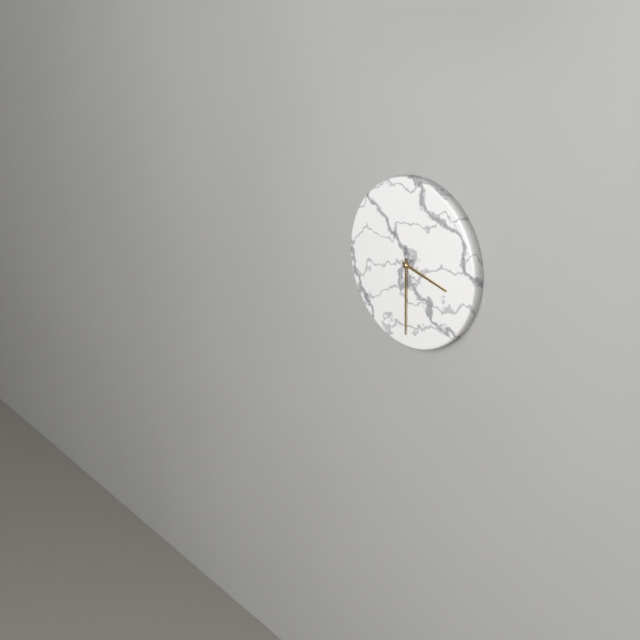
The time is 3:30
